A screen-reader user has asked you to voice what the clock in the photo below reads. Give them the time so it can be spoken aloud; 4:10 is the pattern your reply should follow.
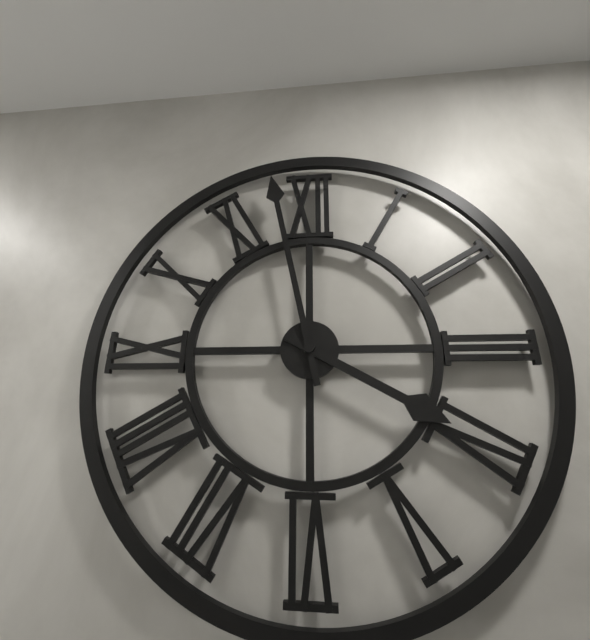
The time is 3:58
